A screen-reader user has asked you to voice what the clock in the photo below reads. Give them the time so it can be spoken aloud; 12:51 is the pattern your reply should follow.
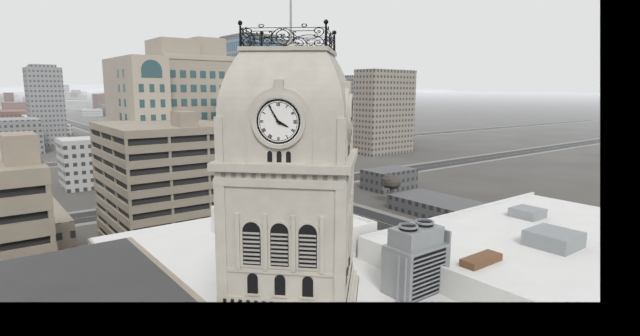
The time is 3:55
